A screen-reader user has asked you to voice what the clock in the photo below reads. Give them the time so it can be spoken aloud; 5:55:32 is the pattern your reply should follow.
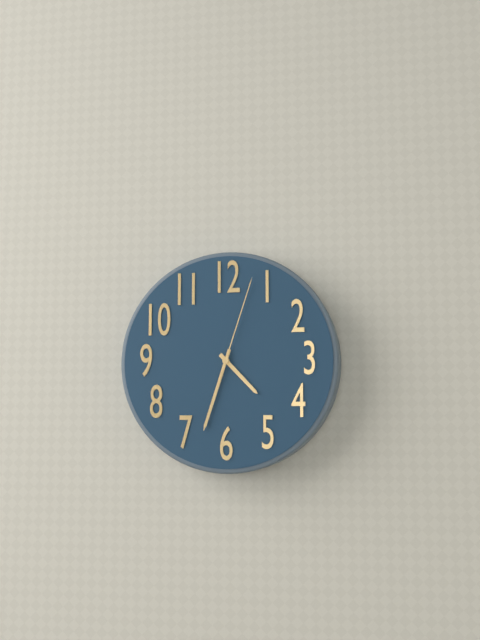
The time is 4:33:03
